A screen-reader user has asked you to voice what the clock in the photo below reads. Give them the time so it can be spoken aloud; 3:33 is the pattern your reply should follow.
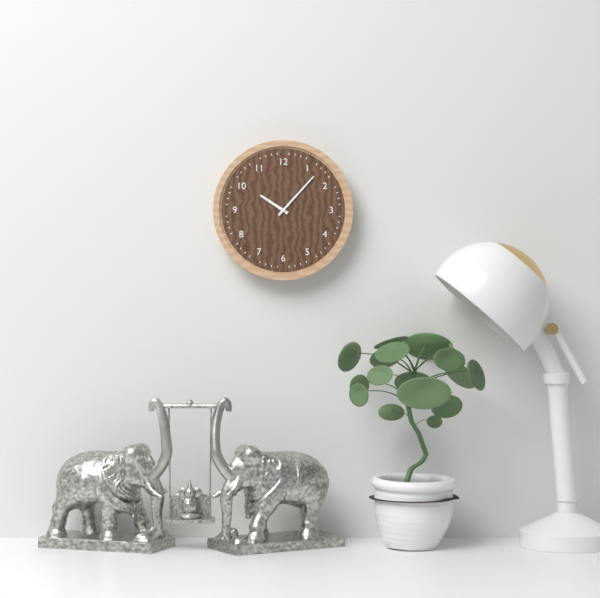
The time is 10:07
